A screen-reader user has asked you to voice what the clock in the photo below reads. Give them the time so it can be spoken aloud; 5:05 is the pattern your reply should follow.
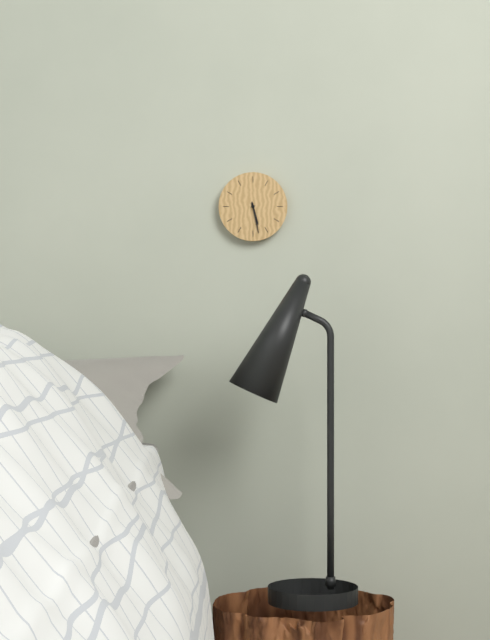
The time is 5:28
